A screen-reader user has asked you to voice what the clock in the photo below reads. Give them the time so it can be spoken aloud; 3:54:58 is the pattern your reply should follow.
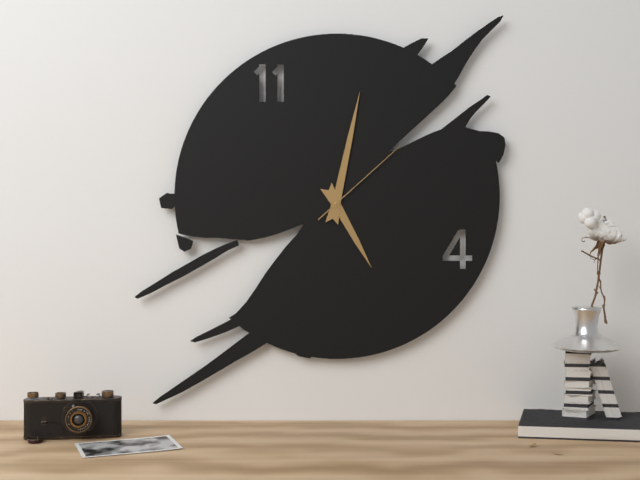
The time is 5:02:08
